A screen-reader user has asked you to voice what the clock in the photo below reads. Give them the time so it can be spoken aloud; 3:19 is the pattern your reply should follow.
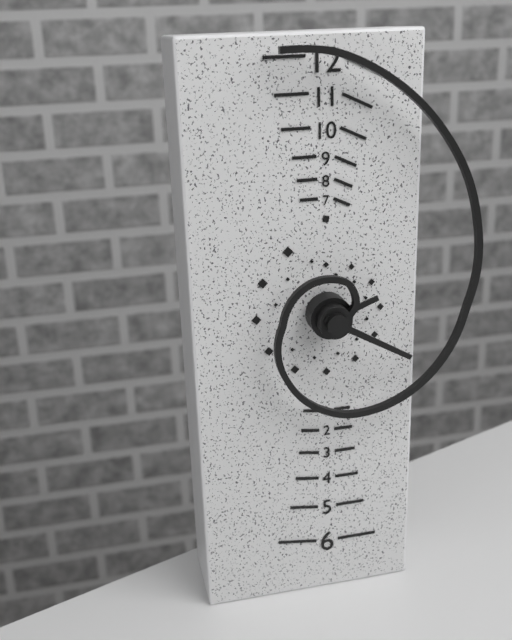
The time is 2:20
